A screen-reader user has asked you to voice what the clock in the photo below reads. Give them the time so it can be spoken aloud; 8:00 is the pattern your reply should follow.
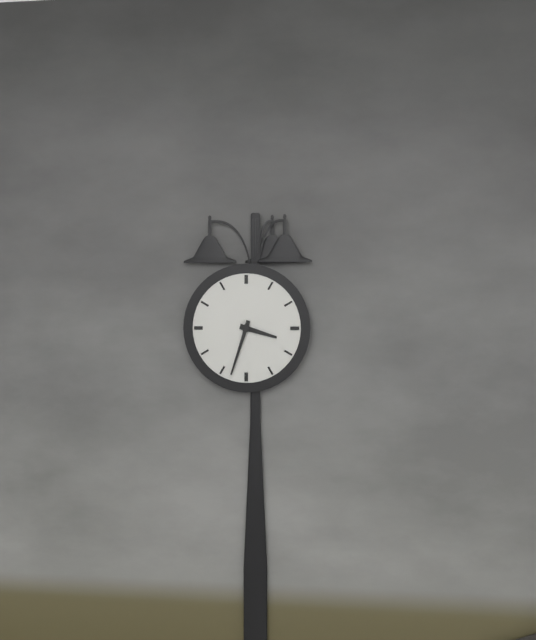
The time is 3:33
